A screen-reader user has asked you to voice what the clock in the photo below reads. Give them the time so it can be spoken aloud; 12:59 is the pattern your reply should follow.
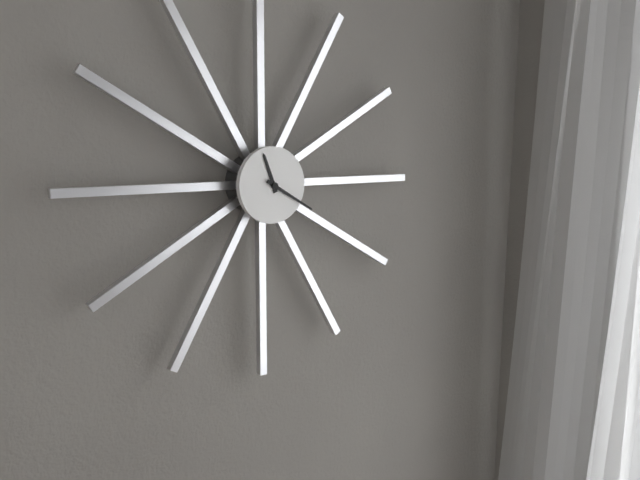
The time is 11:20
